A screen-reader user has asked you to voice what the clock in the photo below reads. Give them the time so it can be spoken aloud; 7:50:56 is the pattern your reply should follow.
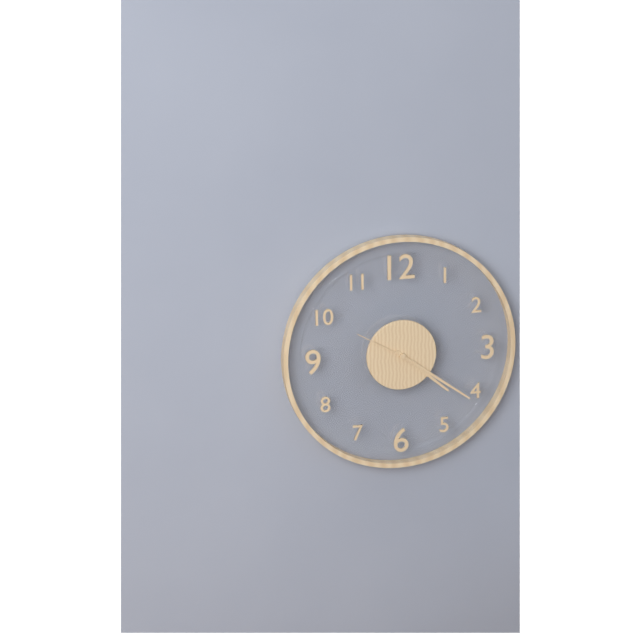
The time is 4:21:50
